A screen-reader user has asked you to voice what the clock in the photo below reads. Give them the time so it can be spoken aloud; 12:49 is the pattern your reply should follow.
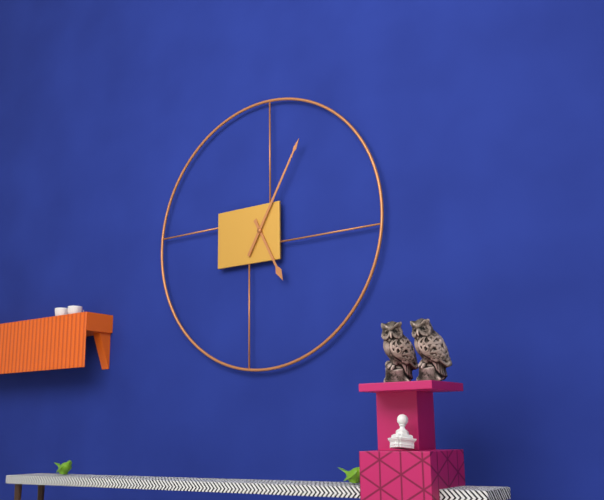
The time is 5:05
